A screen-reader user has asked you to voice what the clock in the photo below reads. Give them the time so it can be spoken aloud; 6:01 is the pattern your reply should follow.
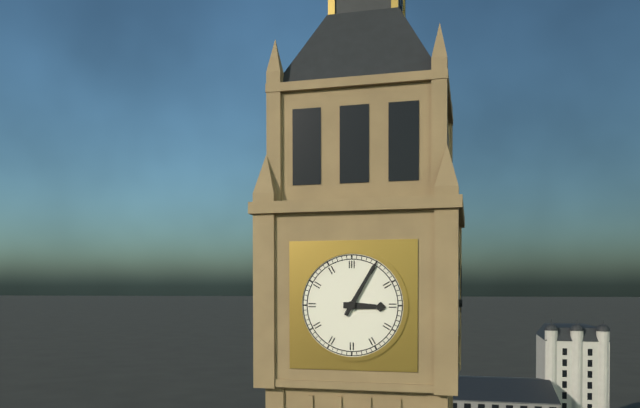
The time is 3:05
